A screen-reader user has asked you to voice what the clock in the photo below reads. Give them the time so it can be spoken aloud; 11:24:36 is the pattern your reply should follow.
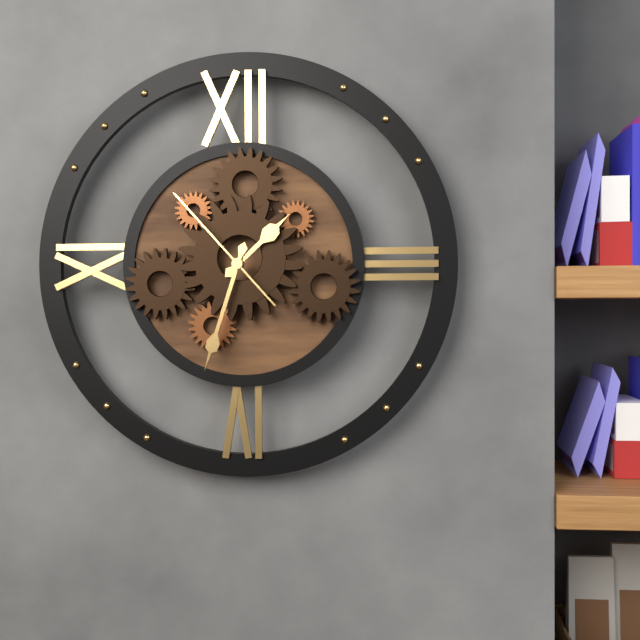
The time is 1:33:53
